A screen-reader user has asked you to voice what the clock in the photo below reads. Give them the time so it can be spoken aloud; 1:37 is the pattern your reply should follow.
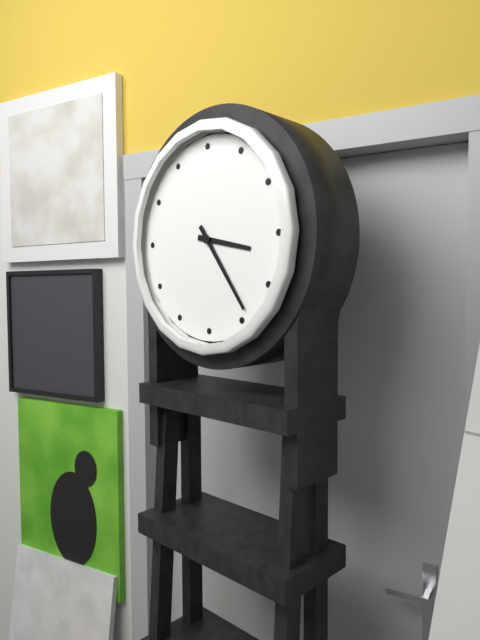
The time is 3:24
